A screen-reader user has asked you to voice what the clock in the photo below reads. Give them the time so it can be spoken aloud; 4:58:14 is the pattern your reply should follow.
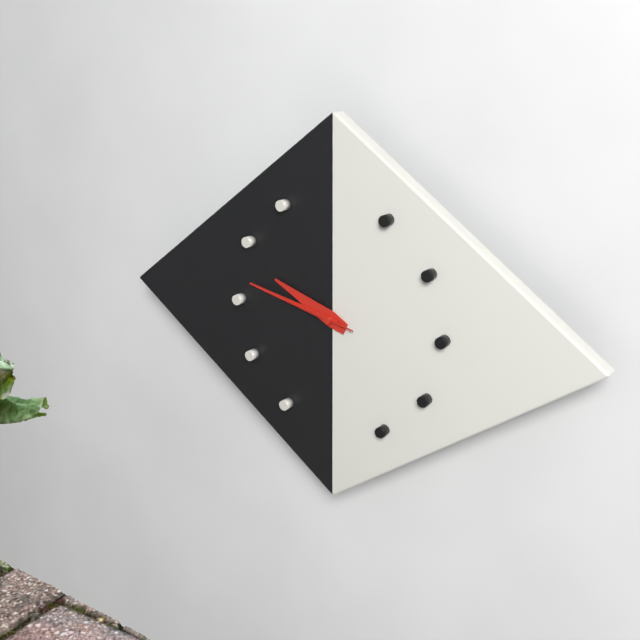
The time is 9:47:47
